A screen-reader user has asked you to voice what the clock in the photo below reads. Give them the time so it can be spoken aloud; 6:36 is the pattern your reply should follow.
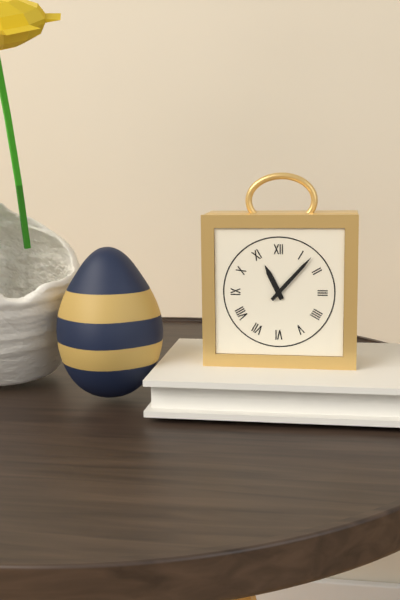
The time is 11:07
